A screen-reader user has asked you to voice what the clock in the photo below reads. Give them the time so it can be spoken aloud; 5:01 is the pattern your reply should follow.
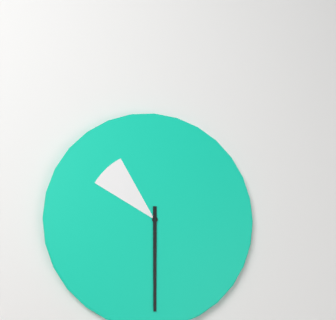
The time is 10:30
